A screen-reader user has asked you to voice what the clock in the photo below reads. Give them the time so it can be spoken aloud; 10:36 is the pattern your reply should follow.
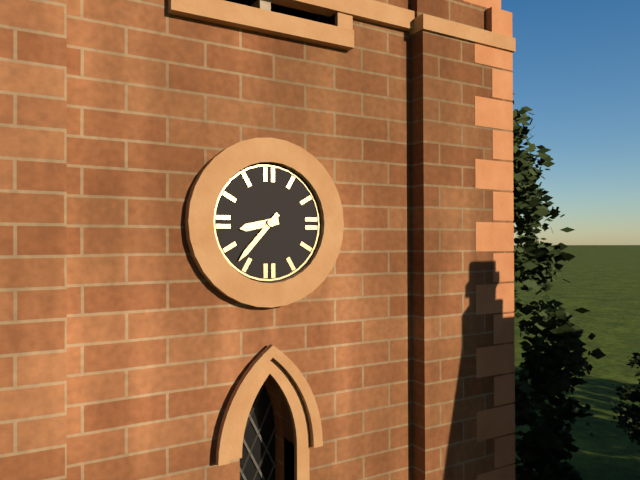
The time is 8:37
